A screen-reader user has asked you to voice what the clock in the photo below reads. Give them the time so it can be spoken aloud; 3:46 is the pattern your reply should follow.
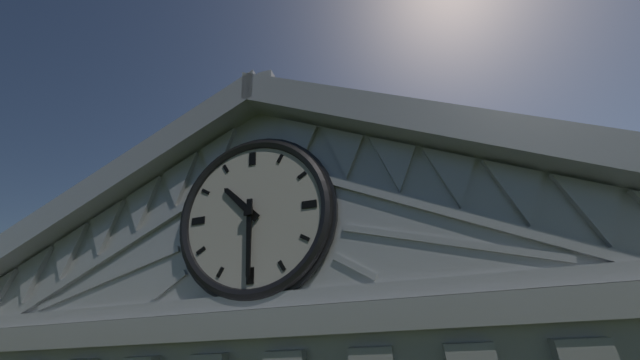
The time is 10:30
